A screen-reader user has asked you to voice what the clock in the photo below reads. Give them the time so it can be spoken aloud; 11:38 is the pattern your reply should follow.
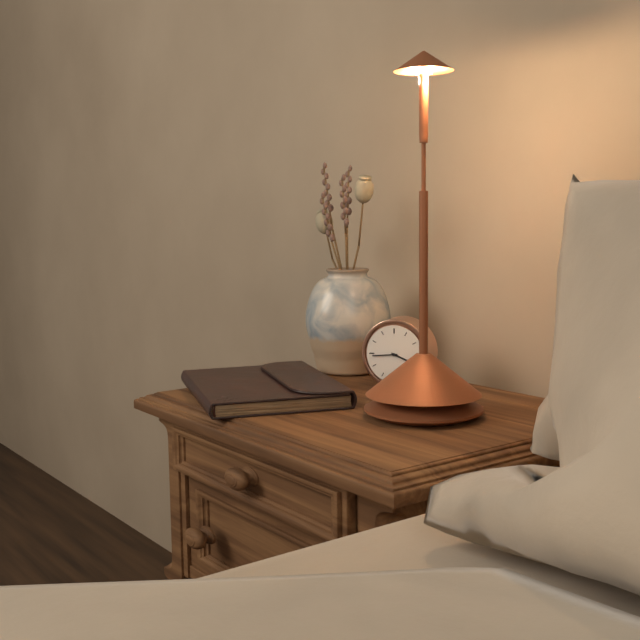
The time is 3:44
